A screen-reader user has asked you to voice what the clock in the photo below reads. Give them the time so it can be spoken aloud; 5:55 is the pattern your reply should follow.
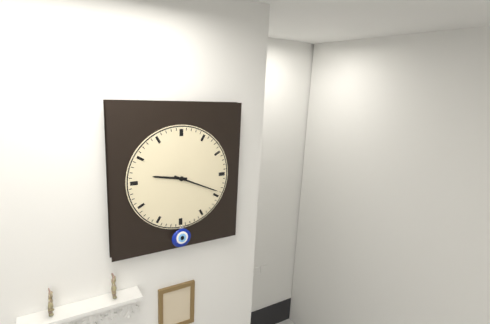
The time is 9:19
